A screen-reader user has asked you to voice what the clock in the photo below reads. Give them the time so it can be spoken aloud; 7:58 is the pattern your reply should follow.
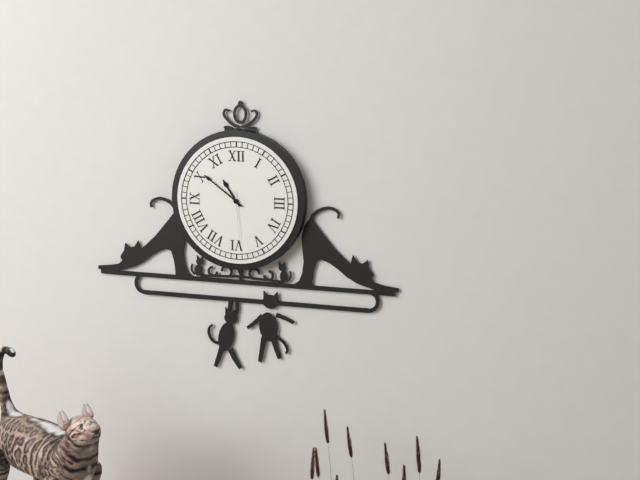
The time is 10:51
